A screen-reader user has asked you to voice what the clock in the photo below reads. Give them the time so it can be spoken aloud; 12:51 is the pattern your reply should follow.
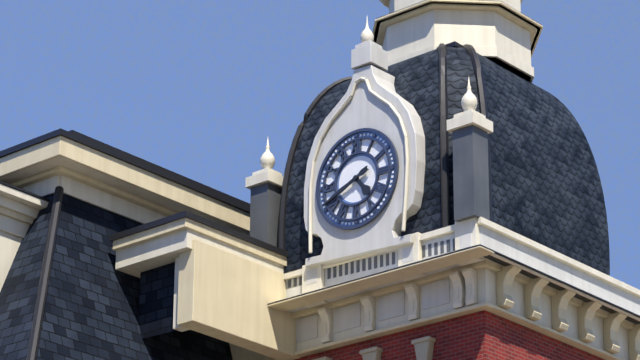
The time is 4:41
